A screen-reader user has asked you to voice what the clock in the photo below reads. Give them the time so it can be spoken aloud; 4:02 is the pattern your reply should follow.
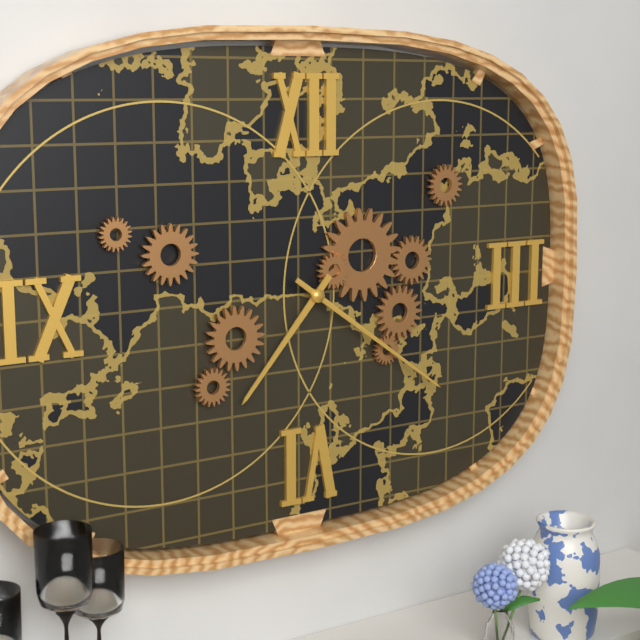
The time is 7:21
